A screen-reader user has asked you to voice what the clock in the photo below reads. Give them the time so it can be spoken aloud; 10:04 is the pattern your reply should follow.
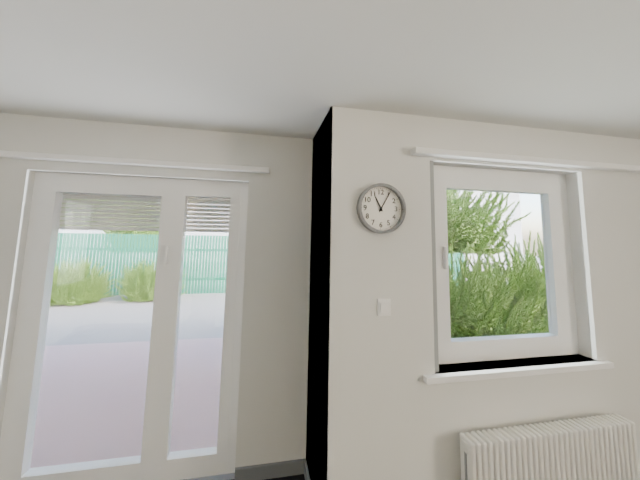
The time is 11:05
